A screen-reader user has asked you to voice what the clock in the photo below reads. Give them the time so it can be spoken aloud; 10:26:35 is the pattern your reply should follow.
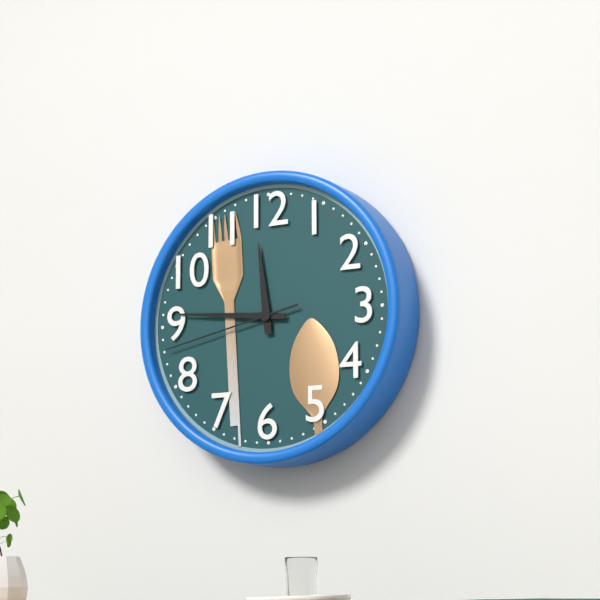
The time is 11:46:43
